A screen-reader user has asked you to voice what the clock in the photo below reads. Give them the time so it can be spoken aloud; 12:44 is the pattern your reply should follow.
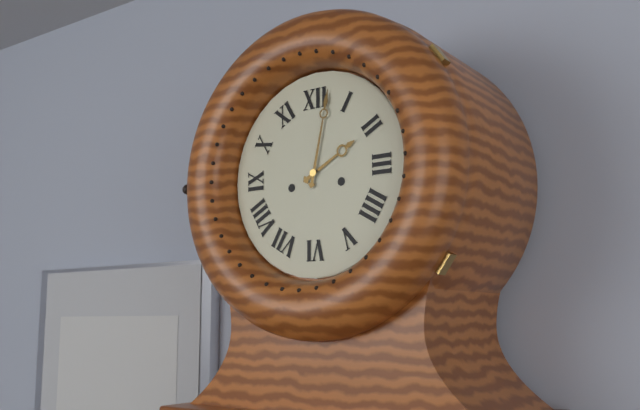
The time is 2:02
